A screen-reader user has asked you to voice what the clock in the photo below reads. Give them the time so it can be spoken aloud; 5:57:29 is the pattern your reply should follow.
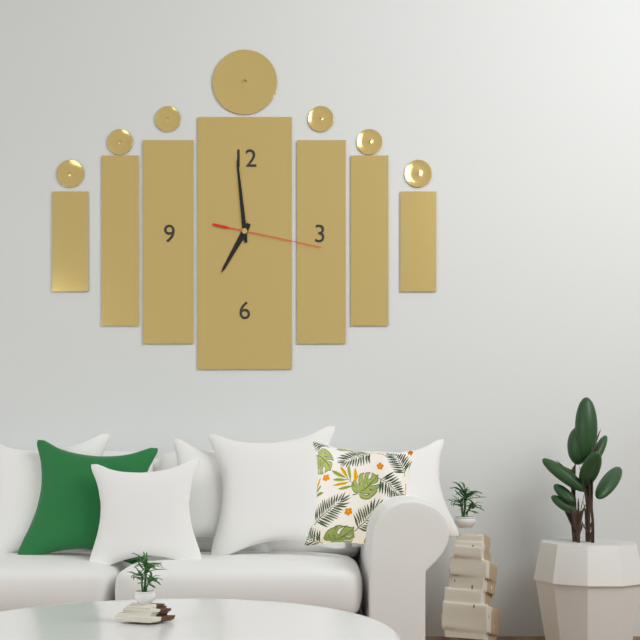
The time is 6:59:17
